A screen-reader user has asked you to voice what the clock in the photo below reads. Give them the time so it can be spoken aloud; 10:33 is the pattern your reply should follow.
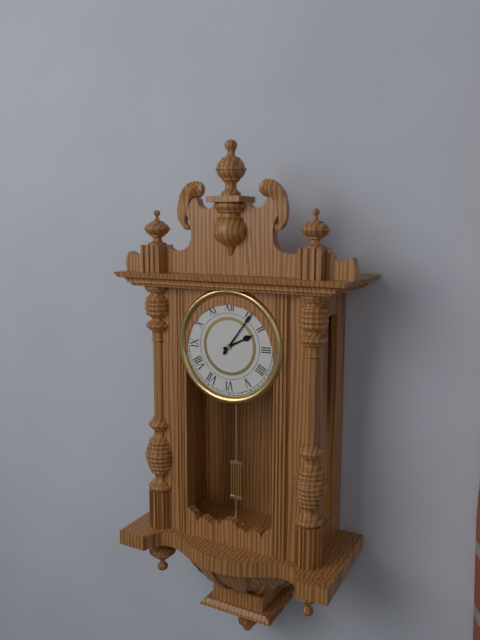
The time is 2:06
